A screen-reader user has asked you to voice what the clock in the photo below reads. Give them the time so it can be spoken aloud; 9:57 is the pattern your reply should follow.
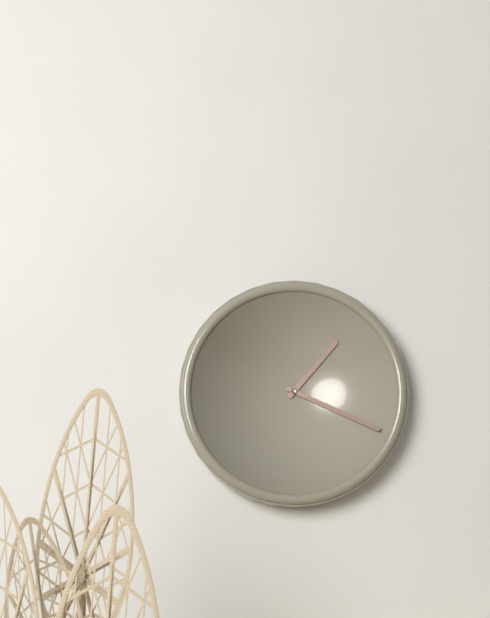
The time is 1:19
